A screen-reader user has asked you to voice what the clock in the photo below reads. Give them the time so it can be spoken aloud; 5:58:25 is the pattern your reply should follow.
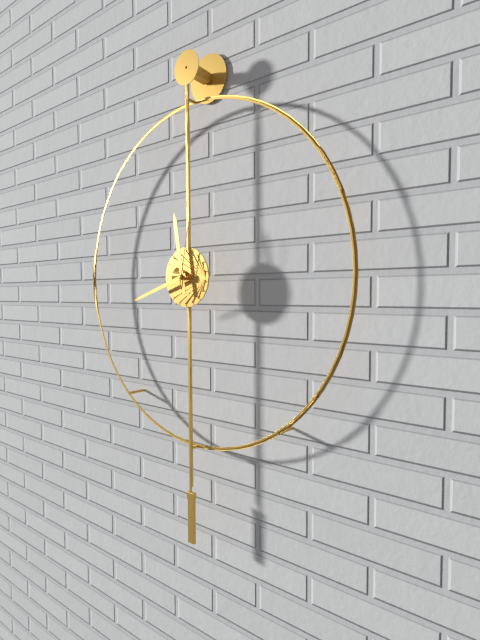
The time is 11:42:02
